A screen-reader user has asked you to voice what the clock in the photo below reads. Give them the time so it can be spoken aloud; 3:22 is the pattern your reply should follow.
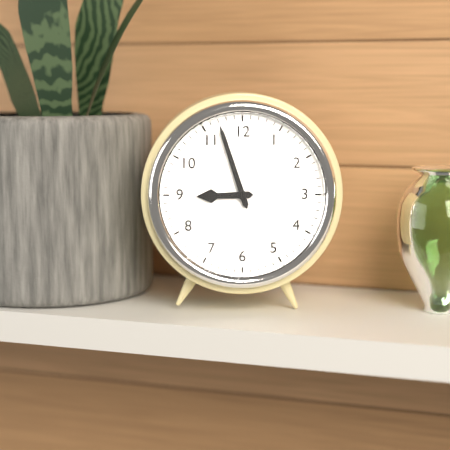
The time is 8:57
